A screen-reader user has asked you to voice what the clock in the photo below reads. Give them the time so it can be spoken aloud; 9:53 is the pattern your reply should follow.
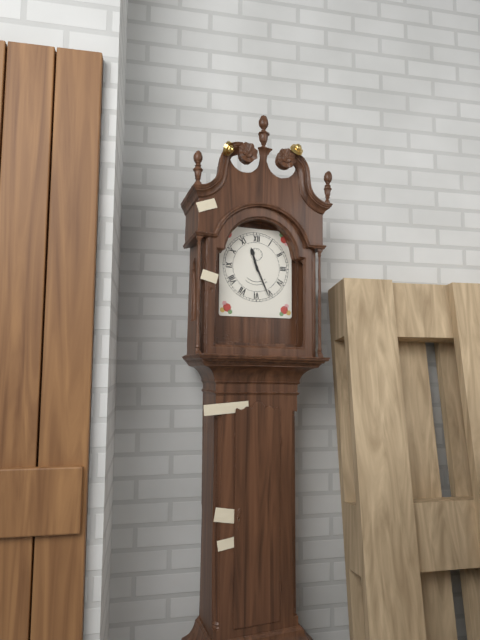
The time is 11:26
